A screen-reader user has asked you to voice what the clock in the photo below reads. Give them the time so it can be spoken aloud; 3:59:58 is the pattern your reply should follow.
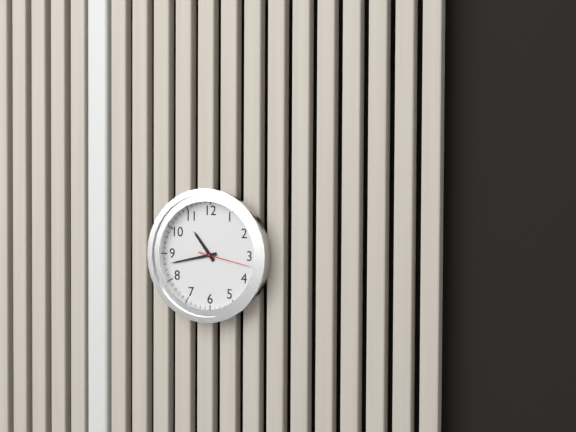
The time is 10:43:17
